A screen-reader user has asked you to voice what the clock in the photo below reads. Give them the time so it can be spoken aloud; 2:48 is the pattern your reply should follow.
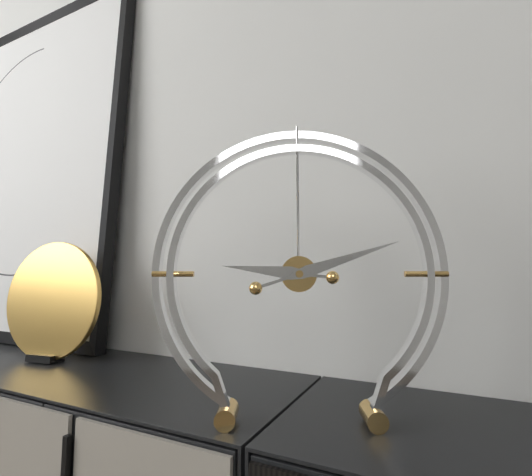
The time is 9:12
